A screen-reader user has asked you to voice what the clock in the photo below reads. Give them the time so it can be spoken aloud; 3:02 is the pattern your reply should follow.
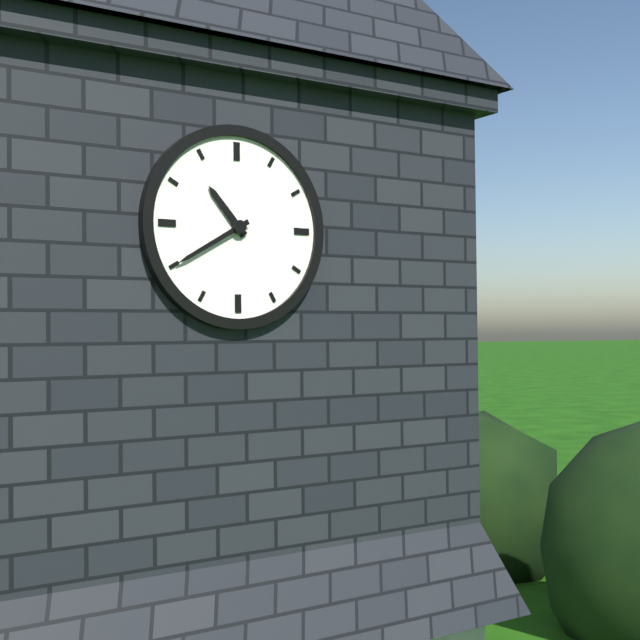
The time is 10:40
